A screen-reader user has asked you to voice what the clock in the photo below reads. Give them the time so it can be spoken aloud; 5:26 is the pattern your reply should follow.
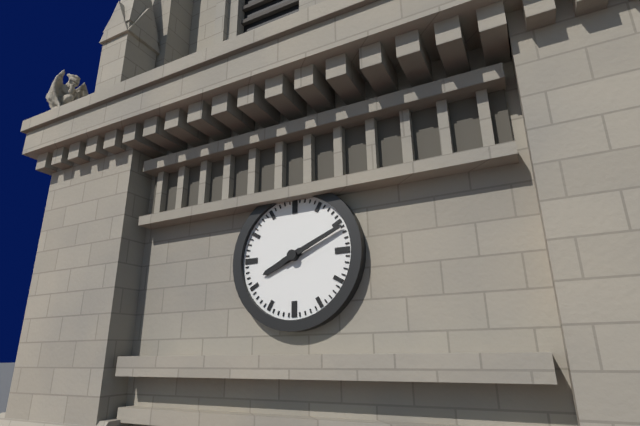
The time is 8:11
